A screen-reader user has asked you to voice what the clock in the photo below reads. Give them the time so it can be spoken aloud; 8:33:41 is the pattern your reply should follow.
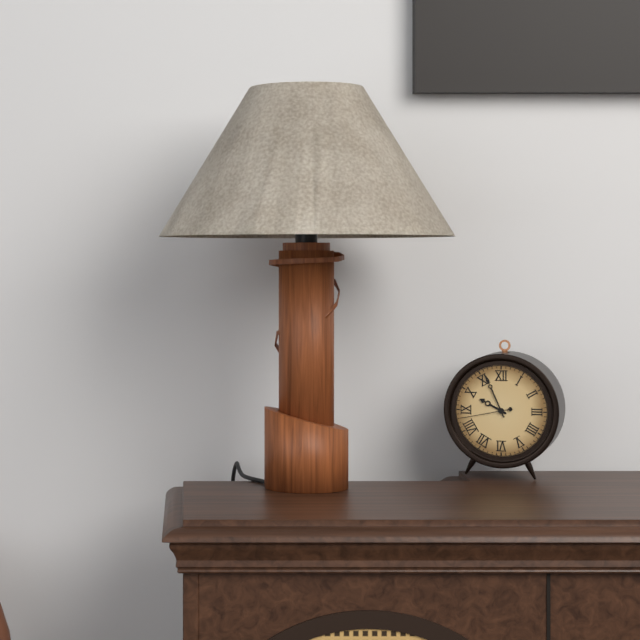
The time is 9:56:43
